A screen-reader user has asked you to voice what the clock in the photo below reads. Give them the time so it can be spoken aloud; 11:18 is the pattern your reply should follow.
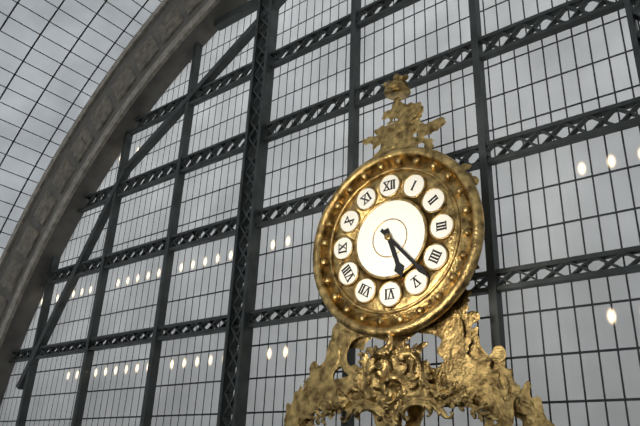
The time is 5:23
